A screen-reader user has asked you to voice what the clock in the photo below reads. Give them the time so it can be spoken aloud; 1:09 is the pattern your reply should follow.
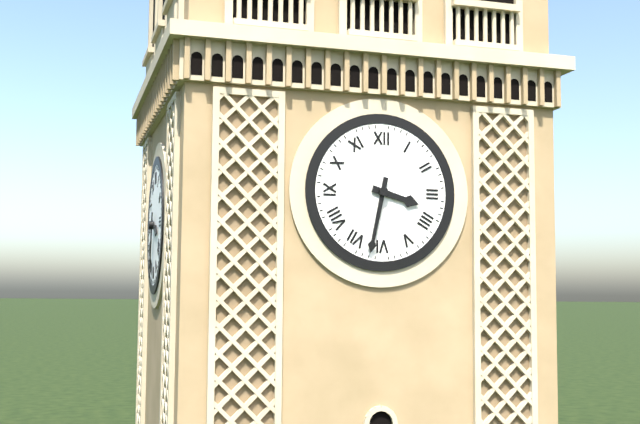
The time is 3:32
